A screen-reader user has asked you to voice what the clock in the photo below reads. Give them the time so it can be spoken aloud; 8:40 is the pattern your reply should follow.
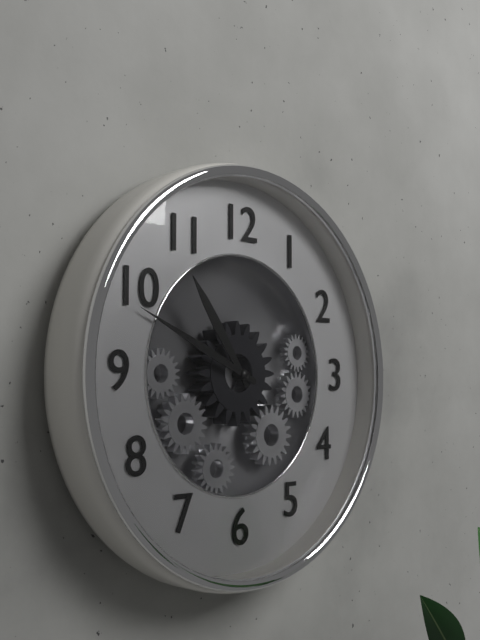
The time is 10:49
